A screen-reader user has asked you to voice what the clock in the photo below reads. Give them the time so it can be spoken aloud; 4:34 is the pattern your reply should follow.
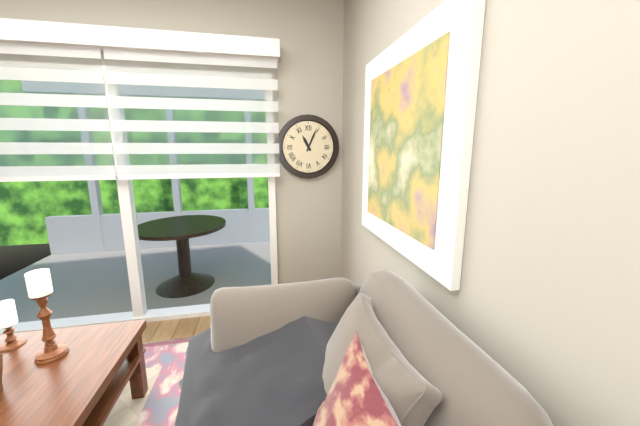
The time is 11:04
